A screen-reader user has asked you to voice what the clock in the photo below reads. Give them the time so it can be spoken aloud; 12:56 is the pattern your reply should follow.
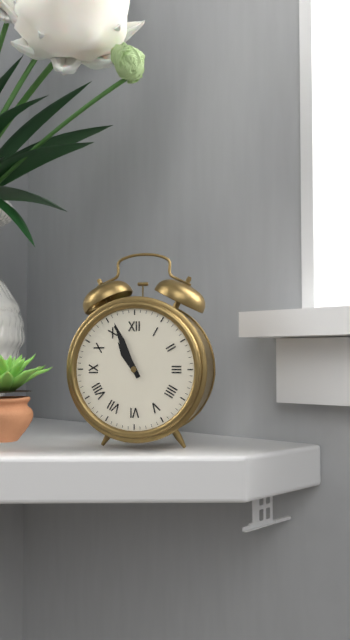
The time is 10:56
